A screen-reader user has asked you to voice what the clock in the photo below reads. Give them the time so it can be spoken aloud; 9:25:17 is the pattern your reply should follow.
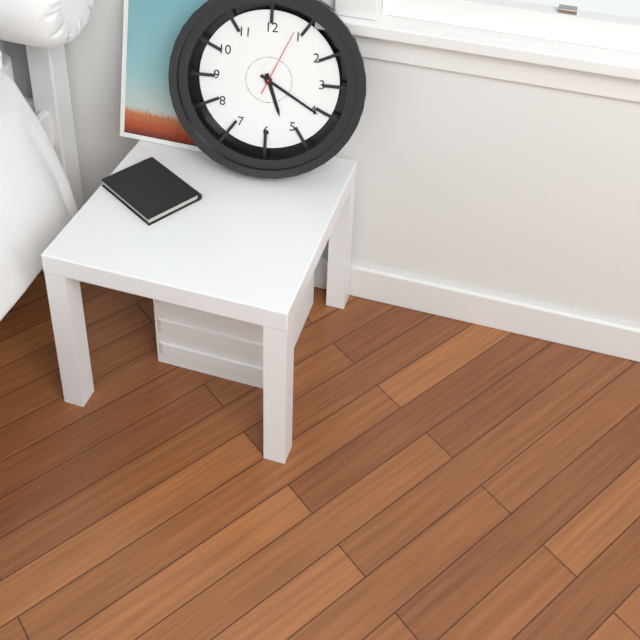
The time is 5:20:04
